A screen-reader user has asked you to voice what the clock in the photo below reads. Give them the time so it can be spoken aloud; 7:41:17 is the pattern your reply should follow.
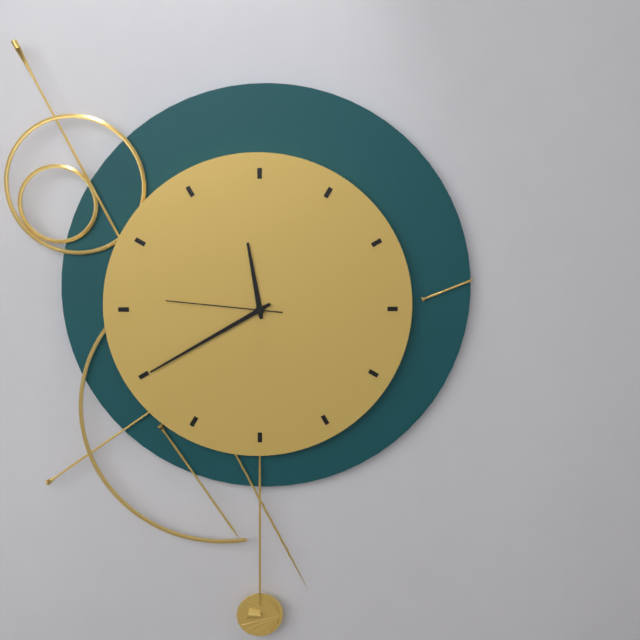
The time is 11:40:46
